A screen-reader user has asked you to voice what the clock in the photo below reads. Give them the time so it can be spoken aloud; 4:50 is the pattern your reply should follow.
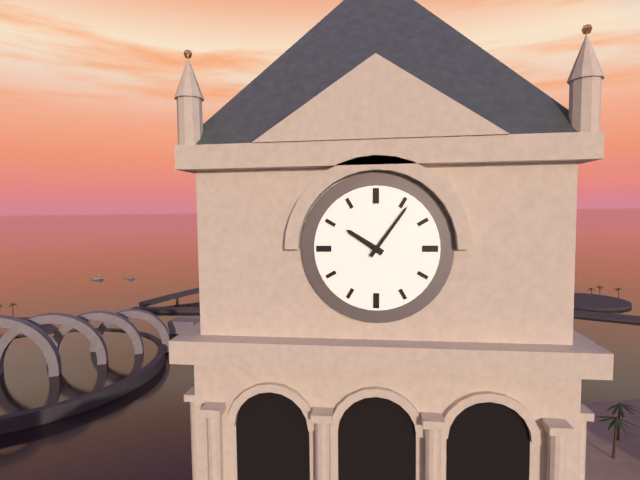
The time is 10:06
